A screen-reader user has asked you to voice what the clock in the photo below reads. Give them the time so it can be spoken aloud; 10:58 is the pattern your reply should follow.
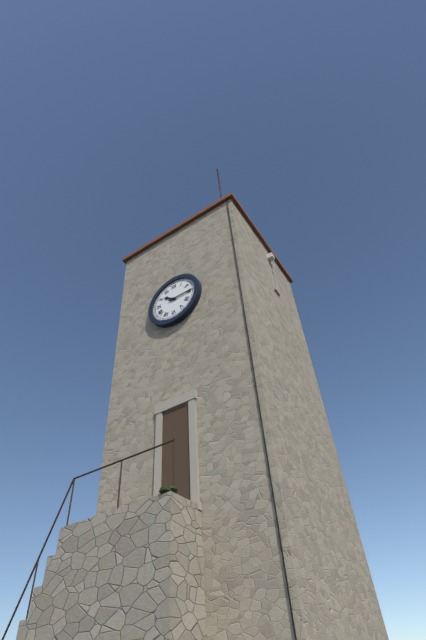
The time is 10:15
